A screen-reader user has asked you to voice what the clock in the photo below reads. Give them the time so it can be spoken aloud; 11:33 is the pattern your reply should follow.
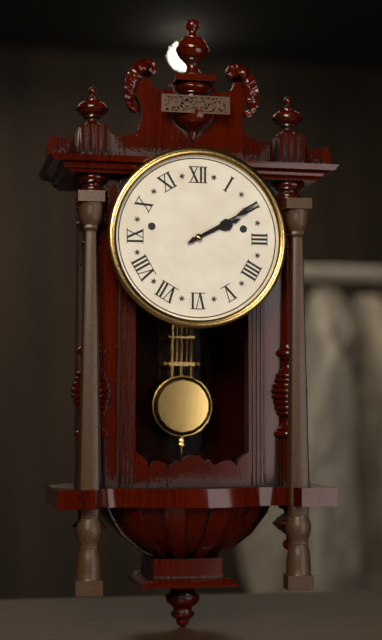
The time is 2:10
